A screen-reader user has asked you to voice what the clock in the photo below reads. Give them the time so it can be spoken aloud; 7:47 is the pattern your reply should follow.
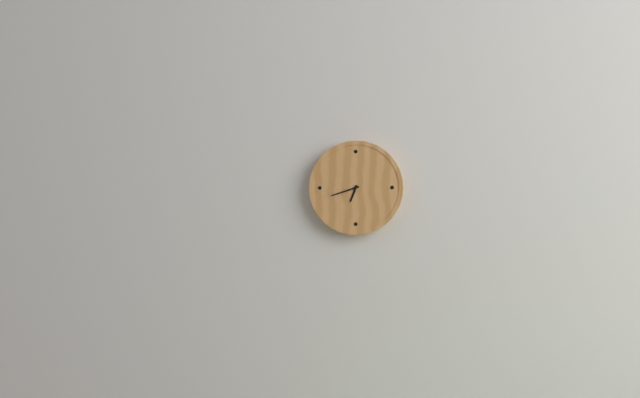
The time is 6:42
